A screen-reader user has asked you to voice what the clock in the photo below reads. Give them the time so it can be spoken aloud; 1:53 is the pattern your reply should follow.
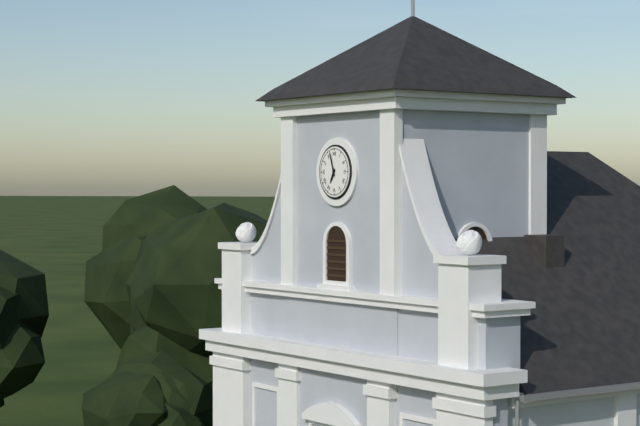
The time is 6:57
